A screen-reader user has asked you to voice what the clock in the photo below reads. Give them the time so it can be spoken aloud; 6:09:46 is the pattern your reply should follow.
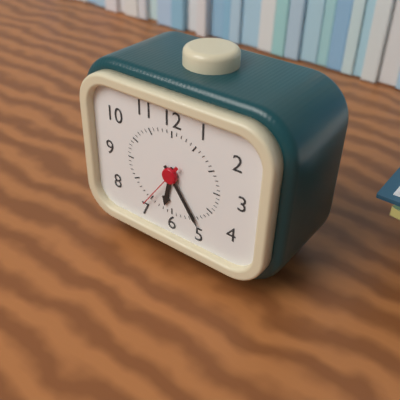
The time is 6:24:36
